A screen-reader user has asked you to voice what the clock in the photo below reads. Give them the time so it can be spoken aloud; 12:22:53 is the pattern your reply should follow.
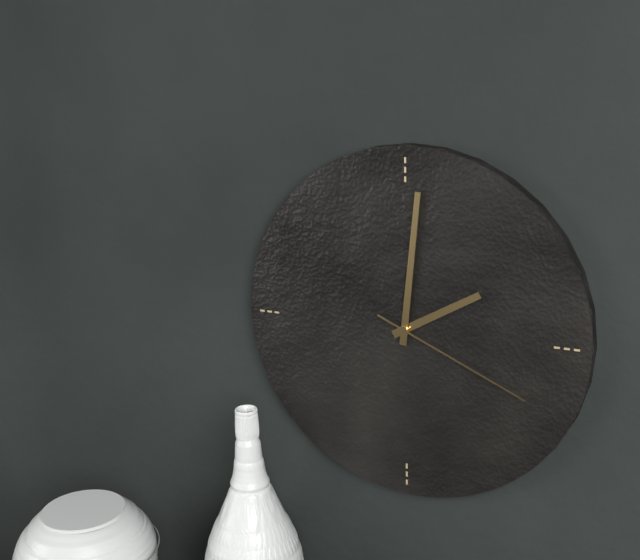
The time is 2:01:19
